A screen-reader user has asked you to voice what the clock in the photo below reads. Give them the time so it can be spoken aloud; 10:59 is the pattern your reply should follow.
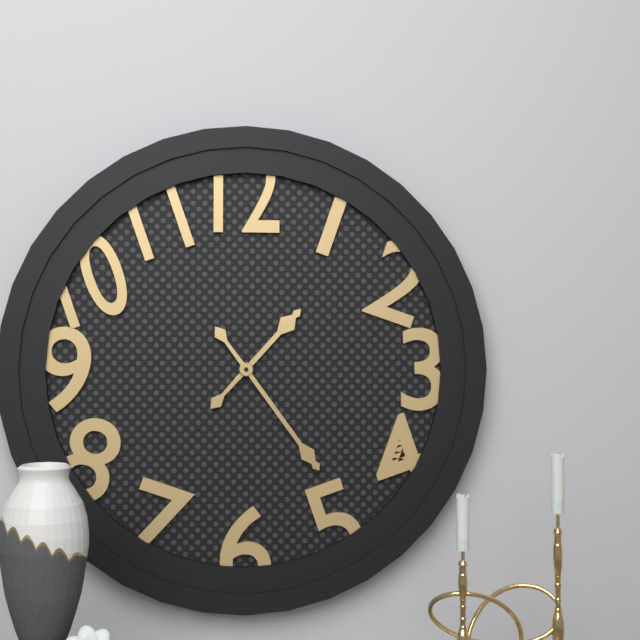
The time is 1:24
